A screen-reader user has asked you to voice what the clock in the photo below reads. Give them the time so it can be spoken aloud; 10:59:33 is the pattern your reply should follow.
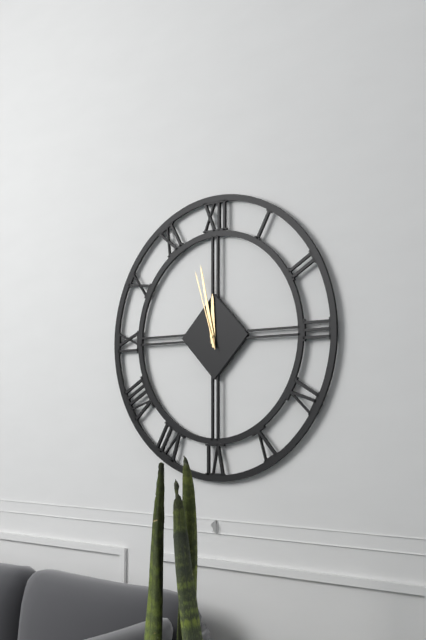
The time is 11:58:57
